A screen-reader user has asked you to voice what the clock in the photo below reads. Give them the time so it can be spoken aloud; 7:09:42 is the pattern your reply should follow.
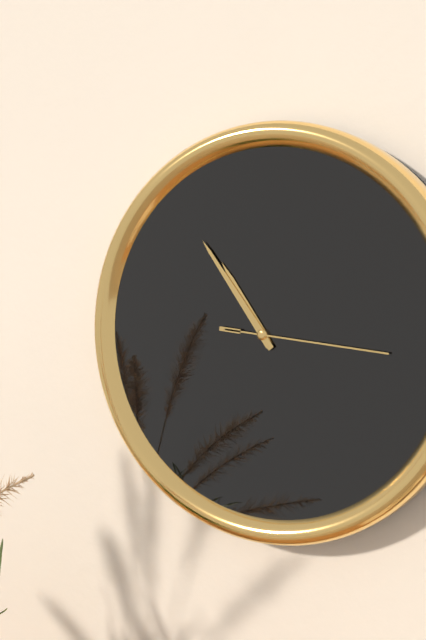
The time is 10:54:16
